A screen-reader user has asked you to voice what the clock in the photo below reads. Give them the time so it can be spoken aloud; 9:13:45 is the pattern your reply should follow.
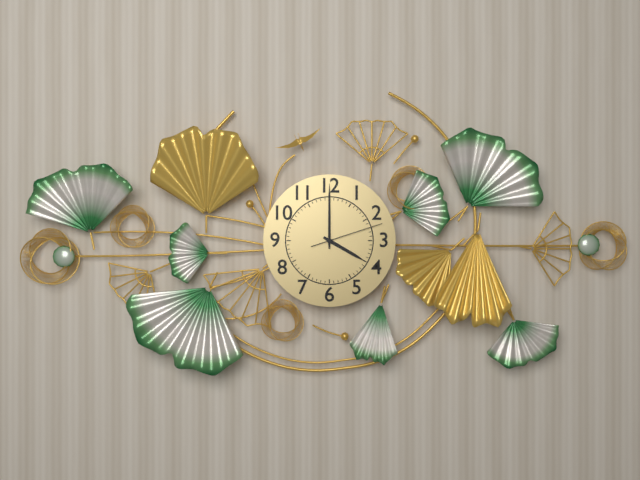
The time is 4:00:12
